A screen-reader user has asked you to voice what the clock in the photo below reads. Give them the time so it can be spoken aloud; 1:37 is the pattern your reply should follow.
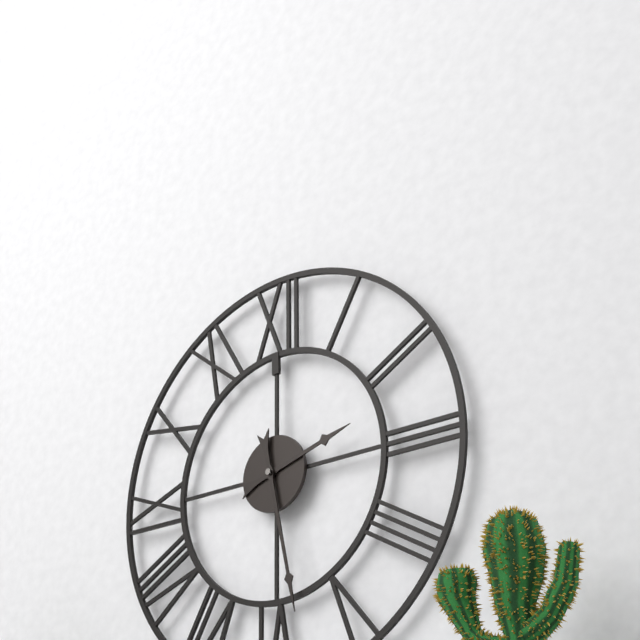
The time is 2:28
